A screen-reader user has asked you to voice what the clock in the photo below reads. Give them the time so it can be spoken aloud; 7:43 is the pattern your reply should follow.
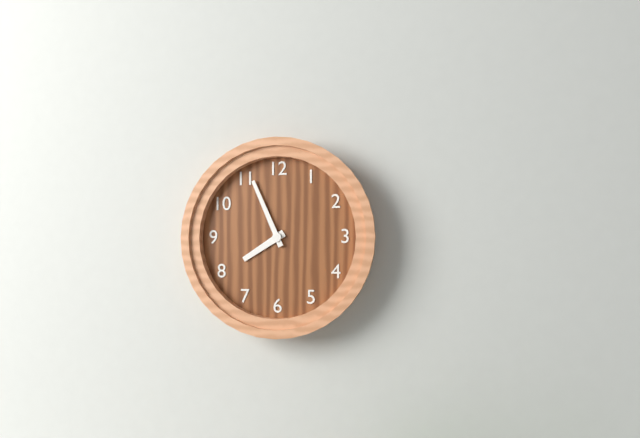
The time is 7:56
